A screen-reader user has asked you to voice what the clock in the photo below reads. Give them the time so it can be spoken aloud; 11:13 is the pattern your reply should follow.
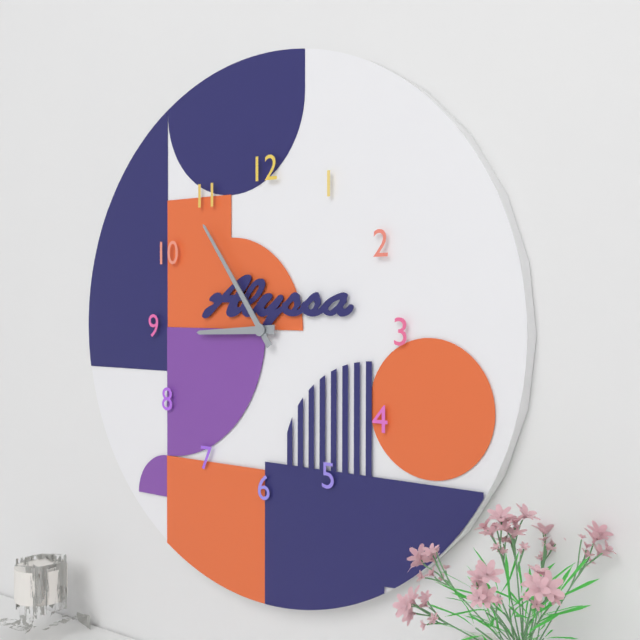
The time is 8:54
